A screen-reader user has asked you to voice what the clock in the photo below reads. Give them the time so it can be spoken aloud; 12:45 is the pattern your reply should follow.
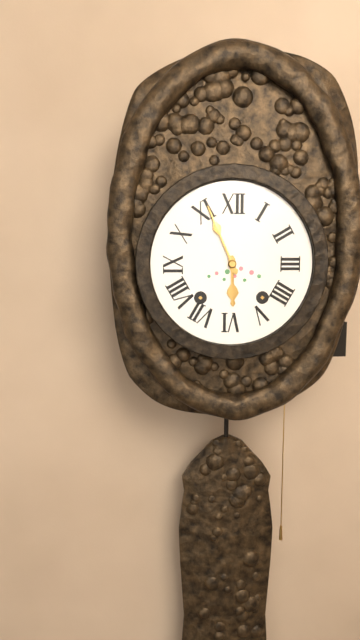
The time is 5:56
